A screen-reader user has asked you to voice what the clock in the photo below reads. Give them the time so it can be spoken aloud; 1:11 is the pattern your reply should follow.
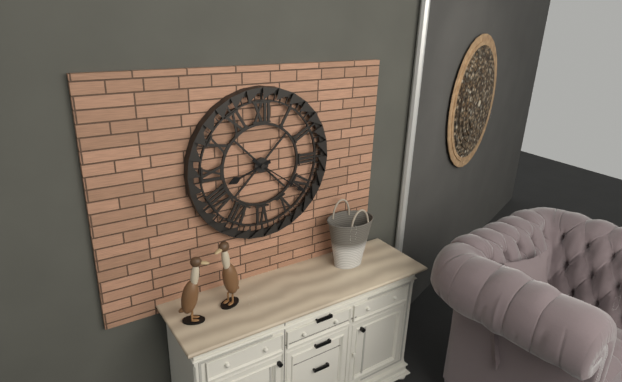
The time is 8:21
